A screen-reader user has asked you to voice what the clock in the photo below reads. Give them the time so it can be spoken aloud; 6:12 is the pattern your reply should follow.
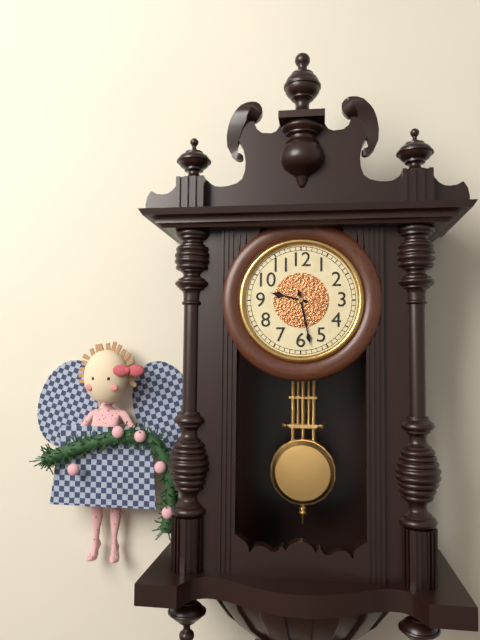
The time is 9:28
